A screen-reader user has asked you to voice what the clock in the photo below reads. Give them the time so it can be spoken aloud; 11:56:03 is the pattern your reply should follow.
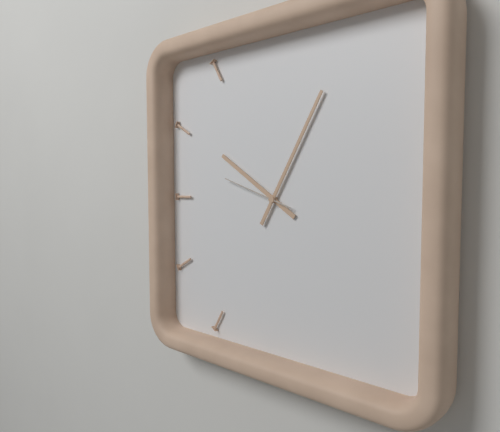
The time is 10:05:48
